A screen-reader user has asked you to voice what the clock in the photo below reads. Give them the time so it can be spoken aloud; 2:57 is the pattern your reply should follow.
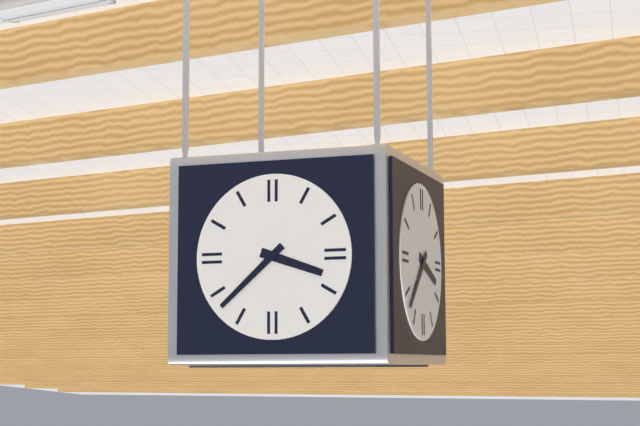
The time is 3:38
